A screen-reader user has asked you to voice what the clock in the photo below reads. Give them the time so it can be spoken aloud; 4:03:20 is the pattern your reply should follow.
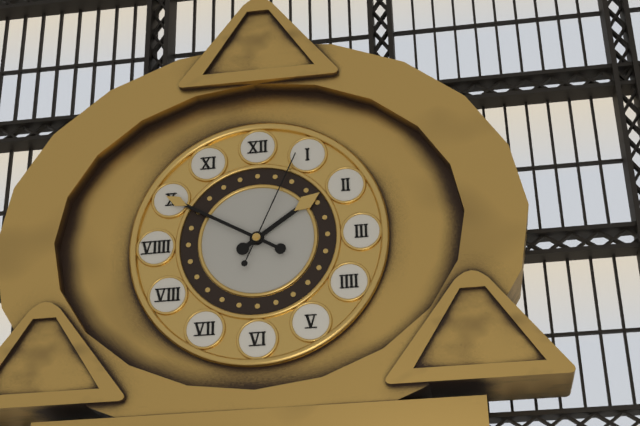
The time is 1:50:04
